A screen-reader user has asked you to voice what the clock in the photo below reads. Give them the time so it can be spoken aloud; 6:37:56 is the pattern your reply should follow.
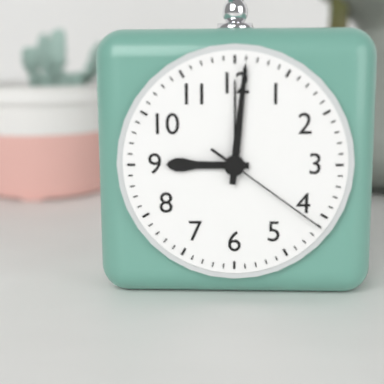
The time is 9:01:21
